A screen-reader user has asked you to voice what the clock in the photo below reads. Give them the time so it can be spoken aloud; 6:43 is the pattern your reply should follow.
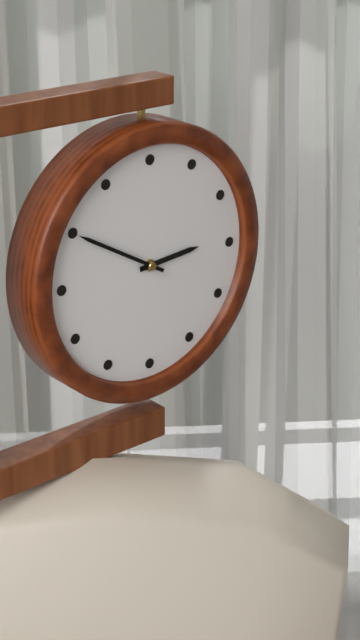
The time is 2:50
